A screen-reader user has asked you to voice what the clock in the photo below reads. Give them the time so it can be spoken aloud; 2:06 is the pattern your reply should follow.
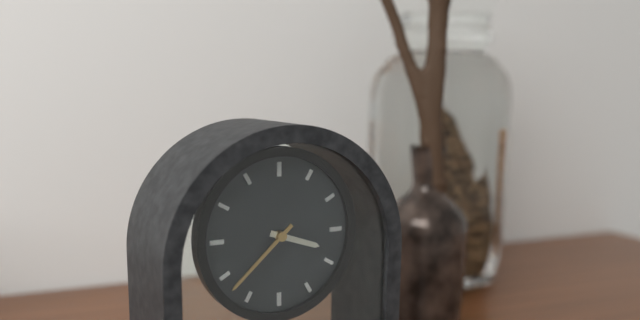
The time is 3:38
